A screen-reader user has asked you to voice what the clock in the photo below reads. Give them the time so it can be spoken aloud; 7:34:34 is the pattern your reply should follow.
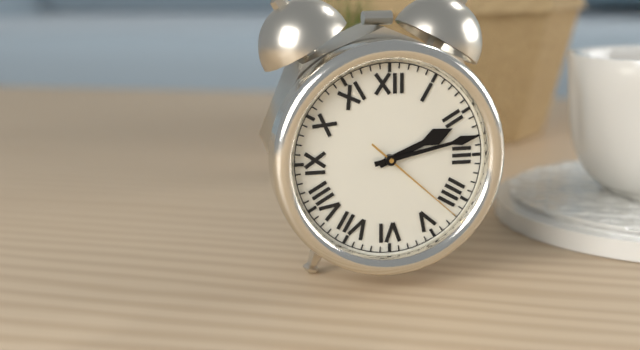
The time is 2:13:22
